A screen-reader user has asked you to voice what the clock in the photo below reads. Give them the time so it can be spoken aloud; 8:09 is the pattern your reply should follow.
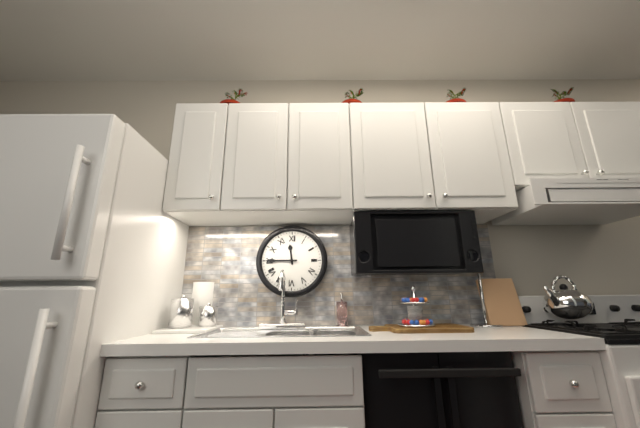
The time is 11:45
